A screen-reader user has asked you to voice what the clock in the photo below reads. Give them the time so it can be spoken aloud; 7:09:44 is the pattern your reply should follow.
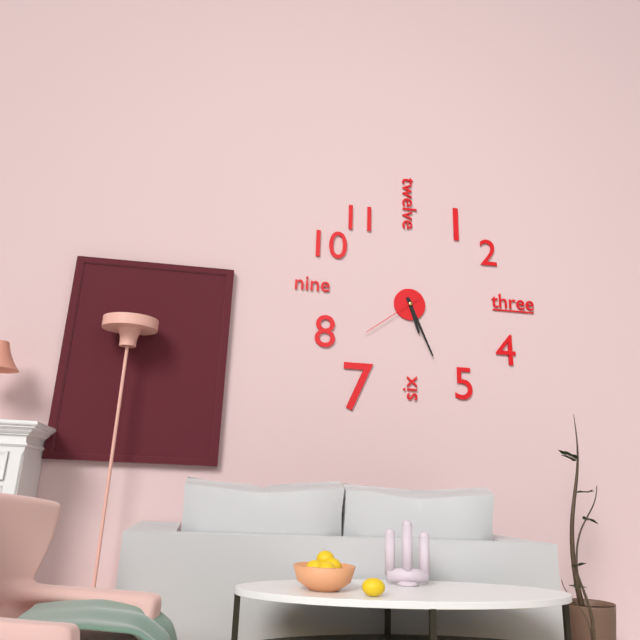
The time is 5:26:39
